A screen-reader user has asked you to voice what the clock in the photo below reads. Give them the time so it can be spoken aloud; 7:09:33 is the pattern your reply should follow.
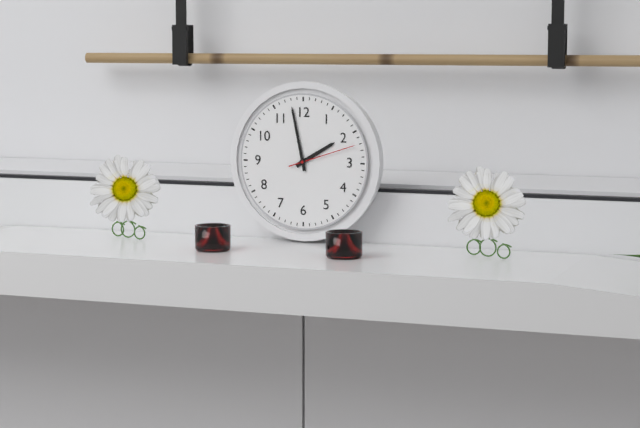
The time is 1:58:12
